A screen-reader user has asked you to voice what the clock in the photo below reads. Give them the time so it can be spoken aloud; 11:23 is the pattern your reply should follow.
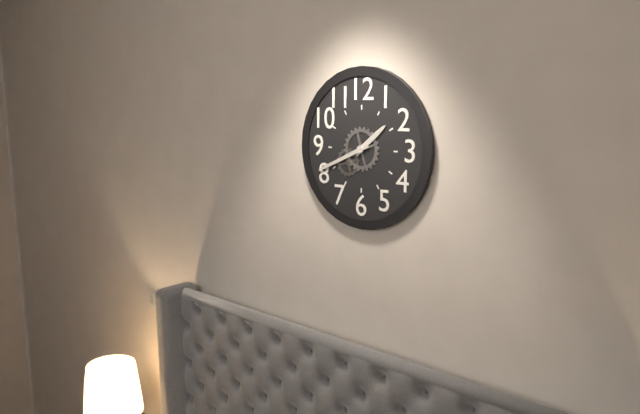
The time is 1:41
